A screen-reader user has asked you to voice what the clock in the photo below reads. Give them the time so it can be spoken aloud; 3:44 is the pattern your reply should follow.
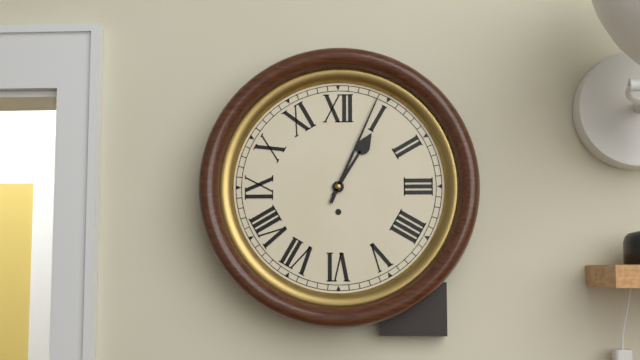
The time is 1:04
